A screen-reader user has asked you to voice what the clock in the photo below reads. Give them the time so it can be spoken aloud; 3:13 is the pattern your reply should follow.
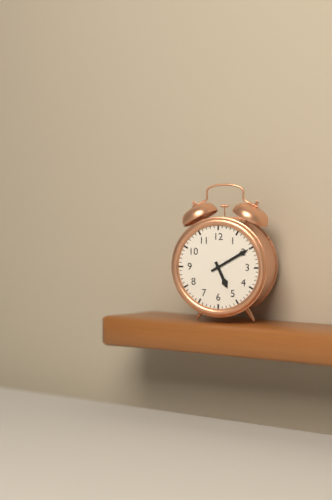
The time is 5:10
